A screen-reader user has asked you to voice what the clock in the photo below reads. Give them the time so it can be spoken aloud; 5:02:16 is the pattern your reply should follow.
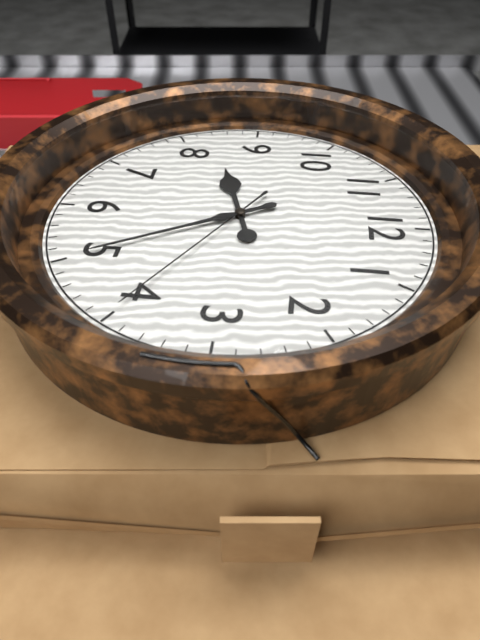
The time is 8:25:20
